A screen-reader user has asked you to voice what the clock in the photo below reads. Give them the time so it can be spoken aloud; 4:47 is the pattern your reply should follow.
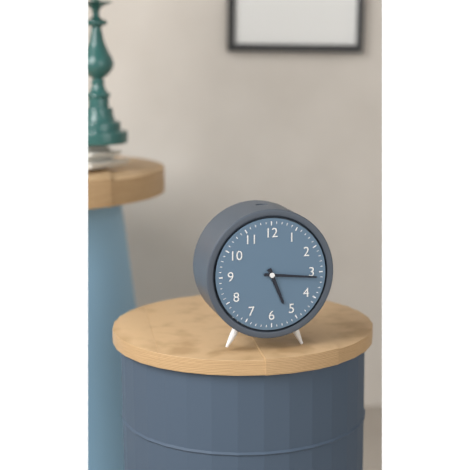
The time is 5:16
